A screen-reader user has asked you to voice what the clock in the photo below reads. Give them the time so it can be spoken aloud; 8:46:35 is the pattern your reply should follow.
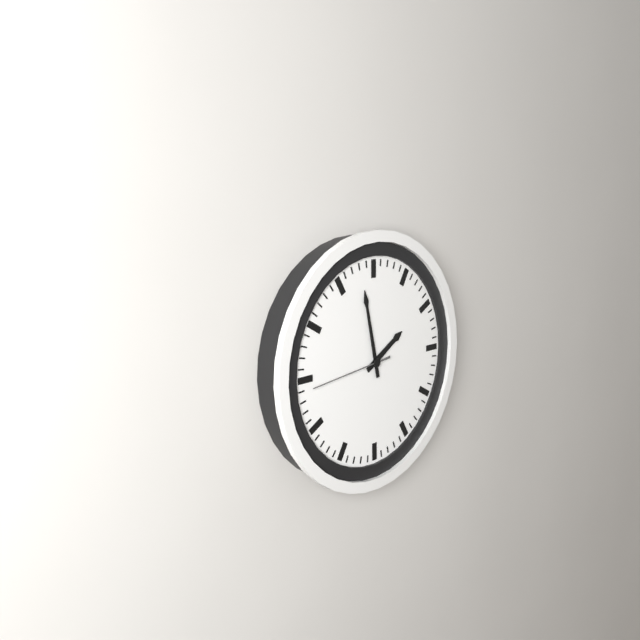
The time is 1:58:44
